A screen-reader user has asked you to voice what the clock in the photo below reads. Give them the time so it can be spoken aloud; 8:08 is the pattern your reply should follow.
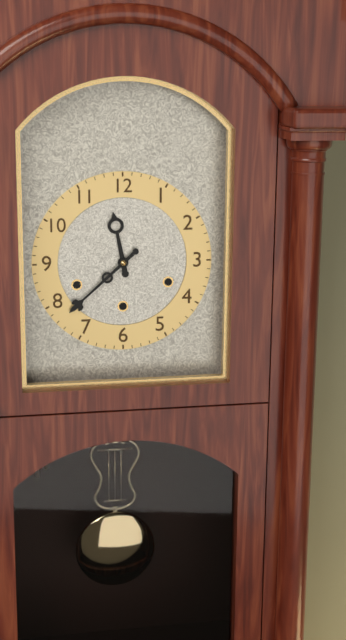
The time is 11:38
